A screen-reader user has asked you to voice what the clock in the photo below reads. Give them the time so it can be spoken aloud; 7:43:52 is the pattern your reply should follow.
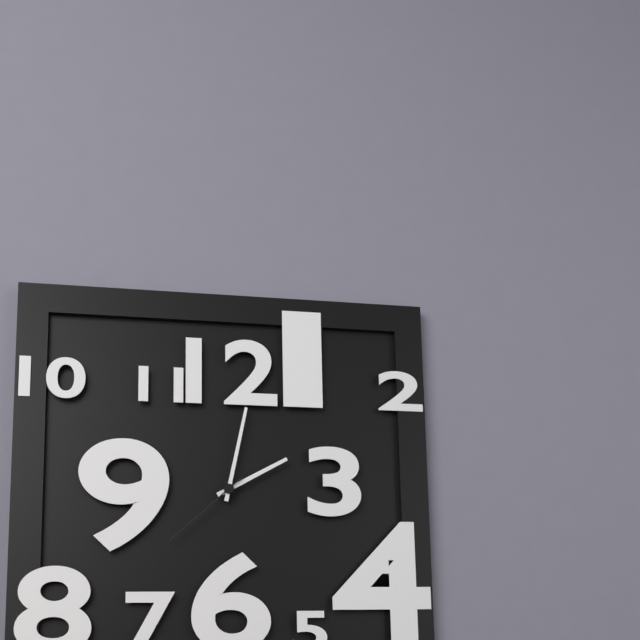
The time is 2:02:38
